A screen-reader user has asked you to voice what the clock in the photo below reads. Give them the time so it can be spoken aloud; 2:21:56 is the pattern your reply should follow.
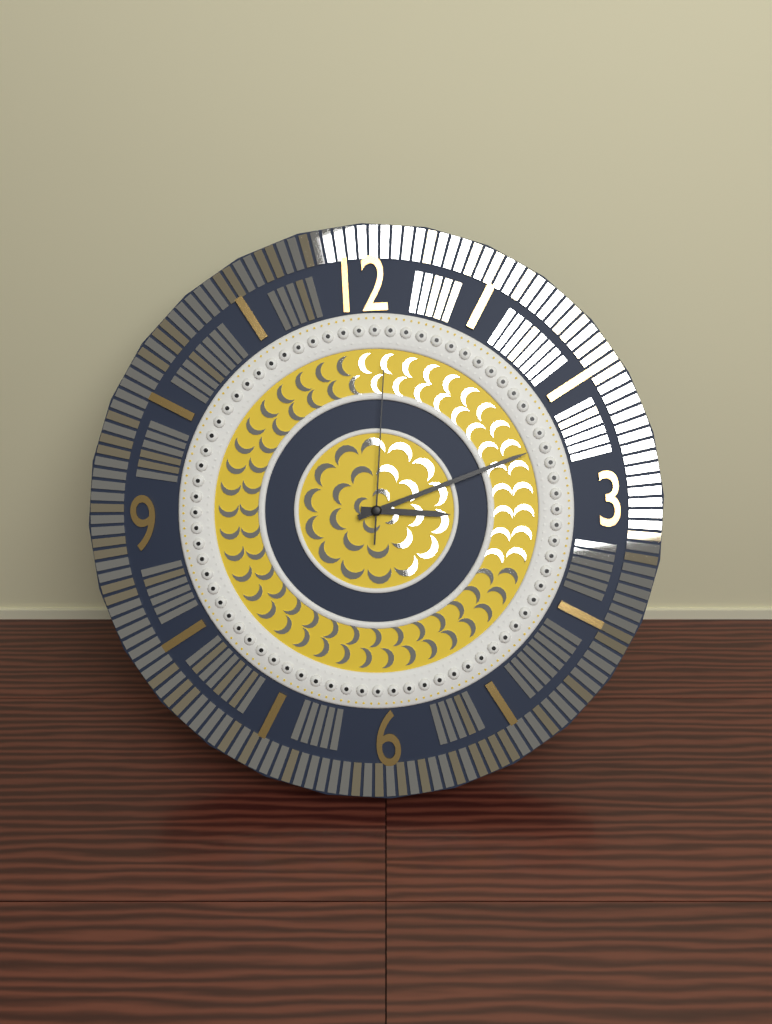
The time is 3:12:01
